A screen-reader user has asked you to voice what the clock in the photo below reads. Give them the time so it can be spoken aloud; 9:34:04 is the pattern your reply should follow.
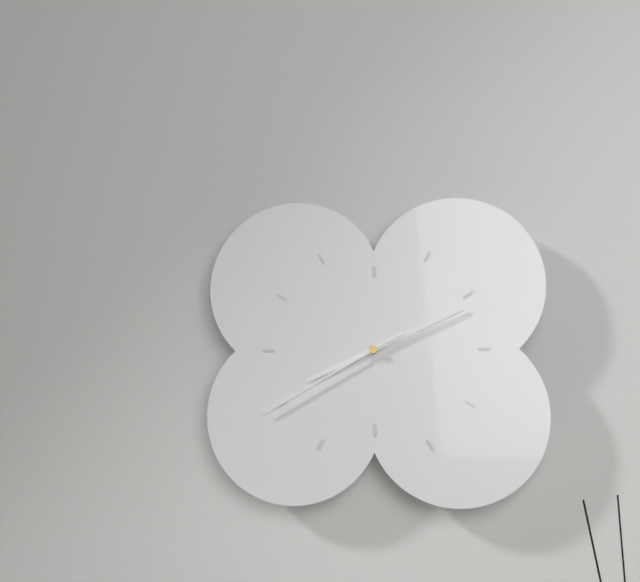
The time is 8:11:40
